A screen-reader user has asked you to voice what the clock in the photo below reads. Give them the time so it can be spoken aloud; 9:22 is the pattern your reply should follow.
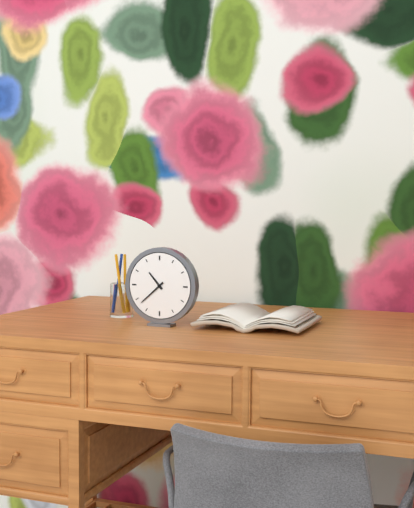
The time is 10:38
